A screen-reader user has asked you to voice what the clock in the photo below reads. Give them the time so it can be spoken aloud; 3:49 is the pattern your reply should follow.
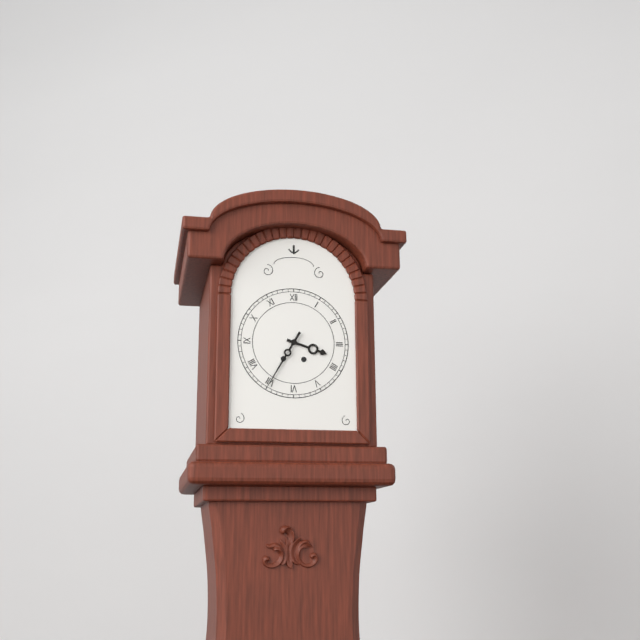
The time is 3:35
